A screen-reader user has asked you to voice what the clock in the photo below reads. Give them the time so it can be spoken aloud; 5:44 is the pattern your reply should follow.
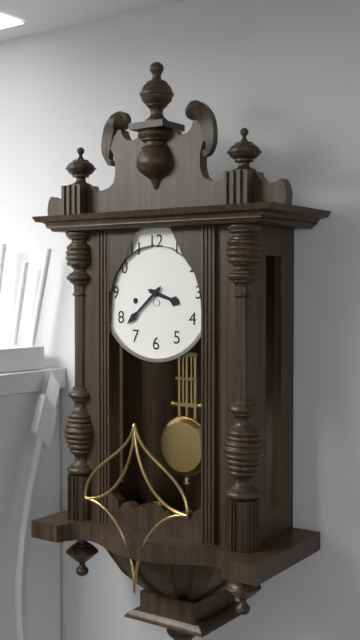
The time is 3:38
